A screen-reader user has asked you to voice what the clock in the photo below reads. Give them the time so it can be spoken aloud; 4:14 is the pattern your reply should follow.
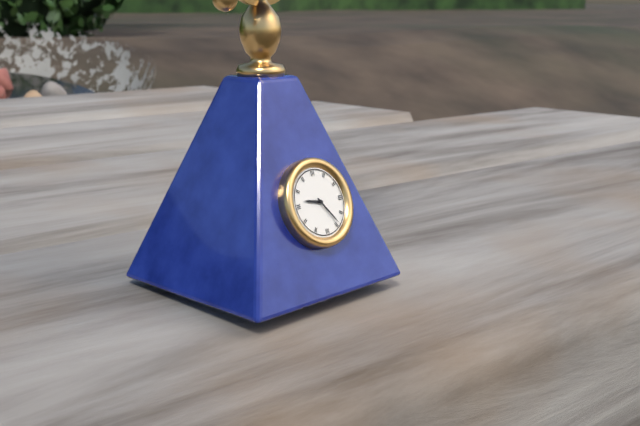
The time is 9:24
